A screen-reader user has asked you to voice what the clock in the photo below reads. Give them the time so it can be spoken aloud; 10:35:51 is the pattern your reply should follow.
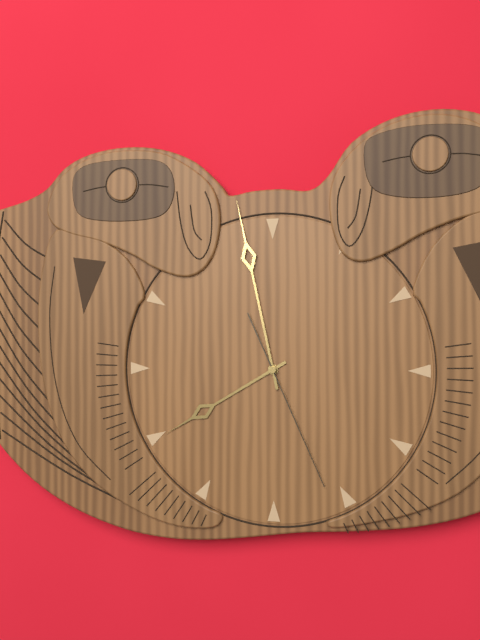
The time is 7:58:26
